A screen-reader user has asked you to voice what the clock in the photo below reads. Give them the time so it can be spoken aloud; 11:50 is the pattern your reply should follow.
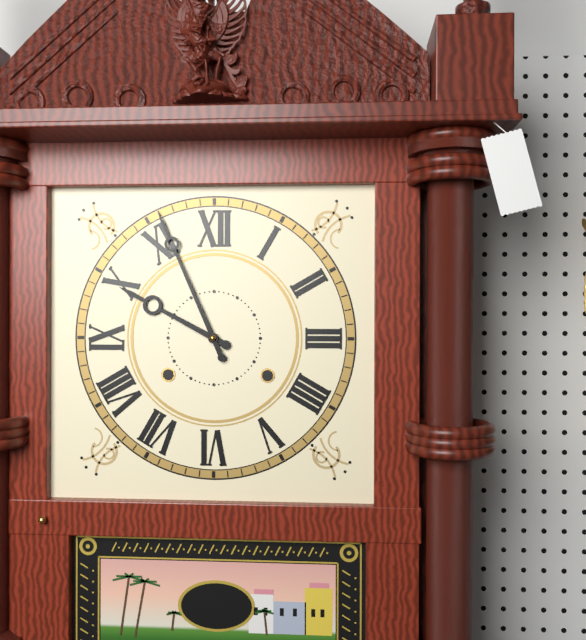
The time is 9:56
